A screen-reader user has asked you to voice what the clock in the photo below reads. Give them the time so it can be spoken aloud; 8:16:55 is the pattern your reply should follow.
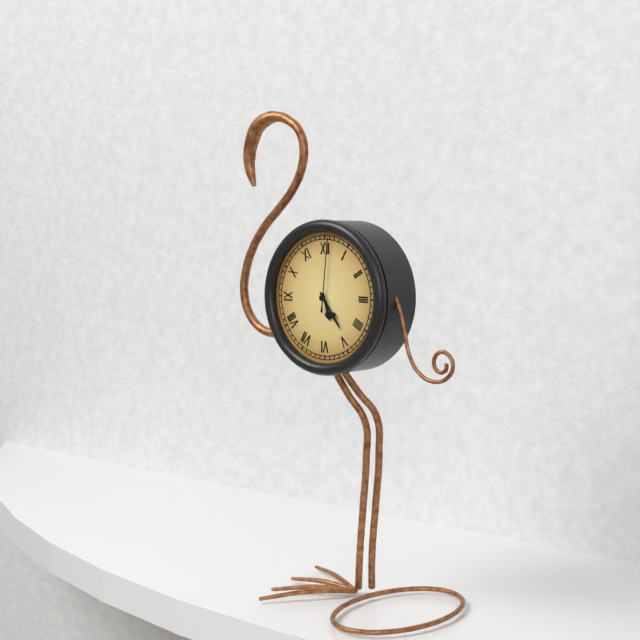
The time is 5:24:01
